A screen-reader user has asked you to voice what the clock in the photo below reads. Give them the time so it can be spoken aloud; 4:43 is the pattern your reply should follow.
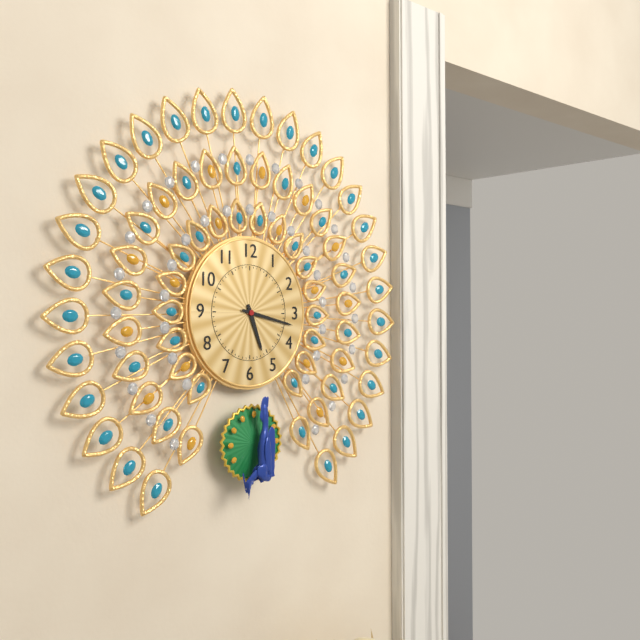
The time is 5:17
